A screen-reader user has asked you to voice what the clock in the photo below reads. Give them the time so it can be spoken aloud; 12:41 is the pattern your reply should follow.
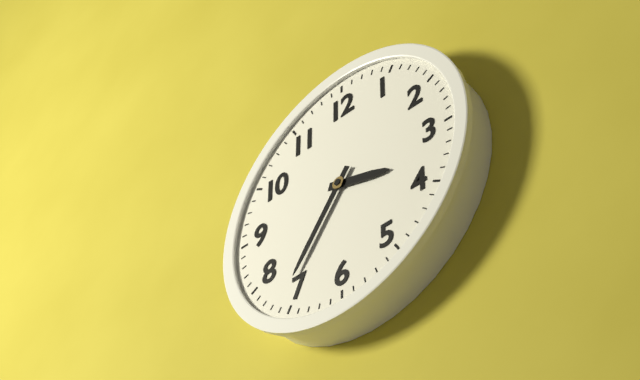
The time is 3:36
